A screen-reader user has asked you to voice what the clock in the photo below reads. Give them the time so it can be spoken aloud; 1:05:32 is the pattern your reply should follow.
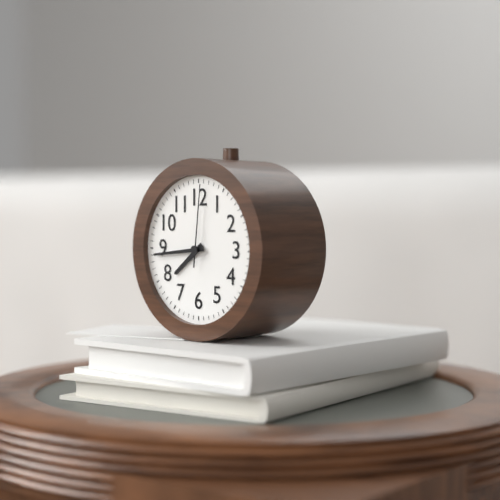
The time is 7:44:01
